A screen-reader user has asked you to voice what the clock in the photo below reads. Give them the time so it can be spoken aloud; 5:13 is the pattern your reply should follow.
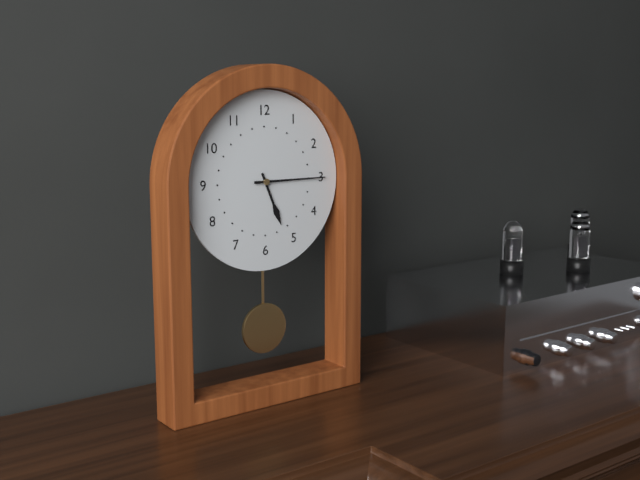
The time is 5:15
